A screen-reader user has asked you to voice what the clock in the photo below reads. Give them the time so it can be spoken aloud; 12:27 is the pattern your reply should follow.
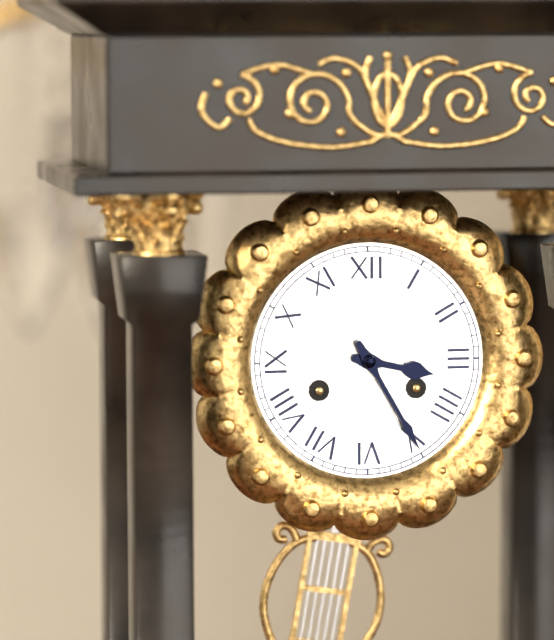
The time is 3:25
